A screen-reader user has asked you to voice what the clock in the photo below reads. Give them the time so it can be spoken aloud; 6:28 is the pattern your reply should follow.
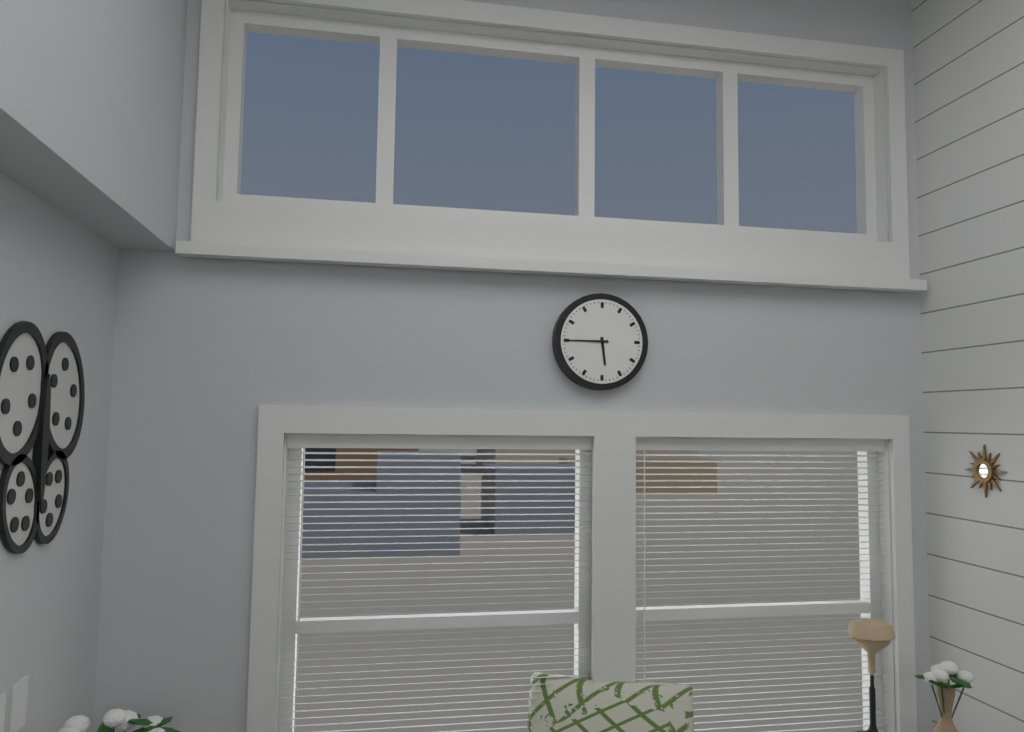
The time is 5:45
